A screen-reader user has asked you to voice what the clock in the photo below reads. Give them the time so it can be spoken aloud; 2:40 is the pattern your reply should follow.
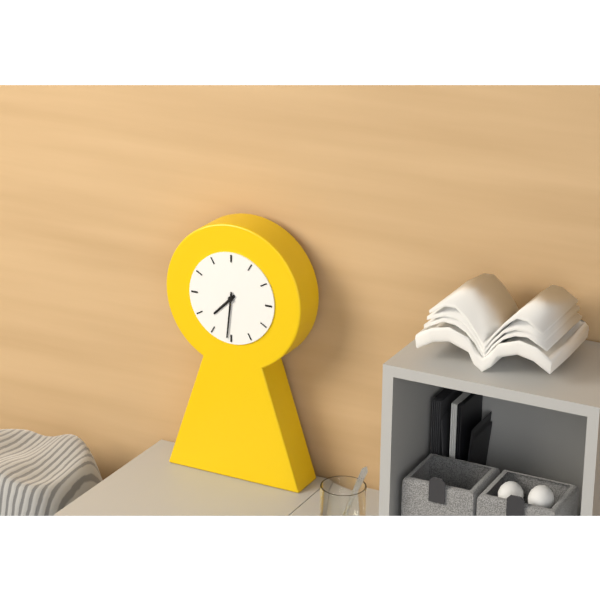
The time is 7:31
